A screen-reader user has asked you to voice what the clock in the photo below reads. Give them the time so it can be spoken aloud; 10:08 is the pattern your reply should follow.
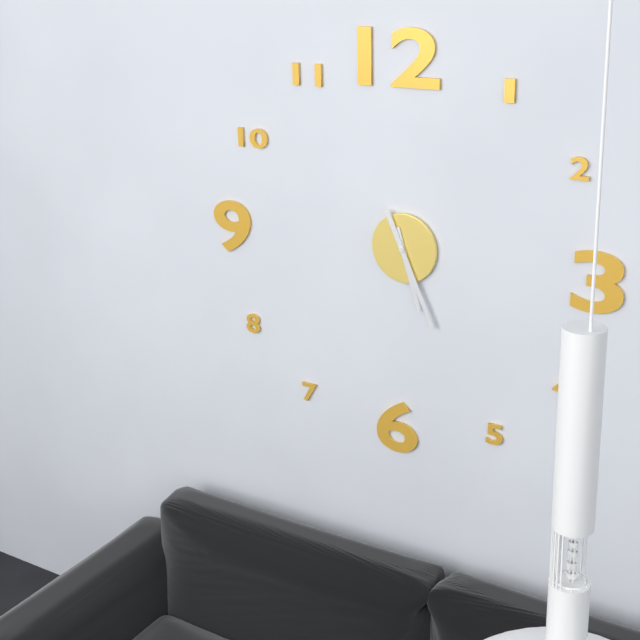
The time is 5:26
